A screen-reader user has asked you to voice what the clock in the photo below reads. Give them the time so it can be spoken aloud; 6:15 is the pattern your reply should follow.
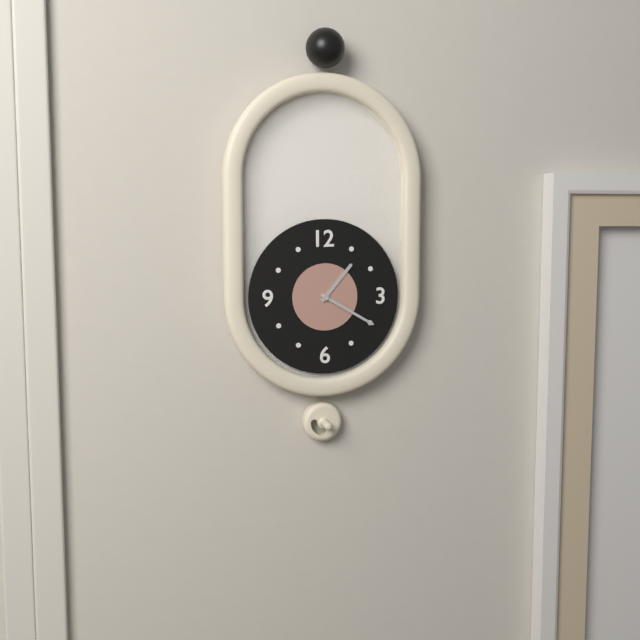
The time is 1:20
